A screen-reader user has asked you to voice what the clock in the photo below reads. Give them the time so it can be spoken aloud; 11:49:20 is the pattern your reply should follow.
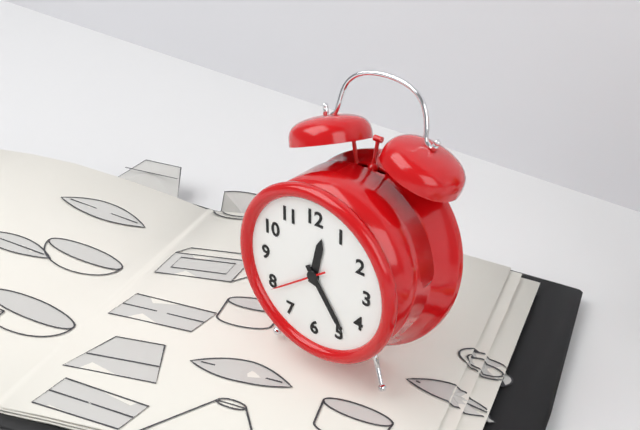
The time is 12:24:39
